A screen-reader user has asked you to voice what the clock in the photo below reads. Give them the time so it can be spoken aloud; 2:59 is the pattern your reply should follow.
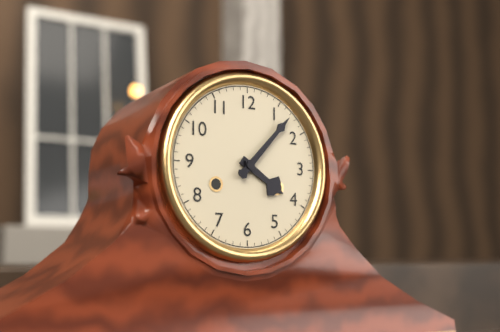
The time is 4:07
